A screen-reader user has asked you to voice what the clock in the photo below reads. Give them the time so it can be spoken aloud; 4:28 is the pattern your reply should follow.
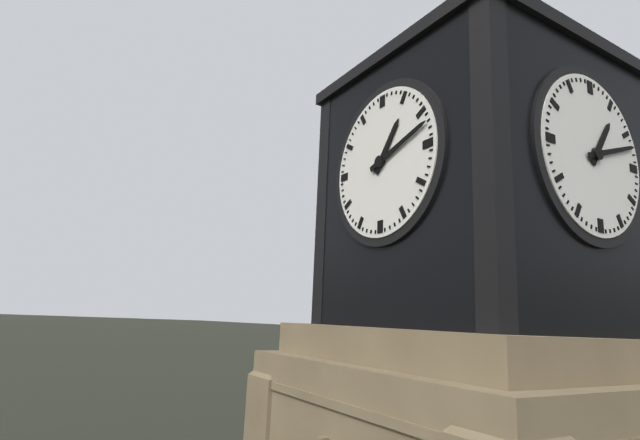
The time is 1:12
